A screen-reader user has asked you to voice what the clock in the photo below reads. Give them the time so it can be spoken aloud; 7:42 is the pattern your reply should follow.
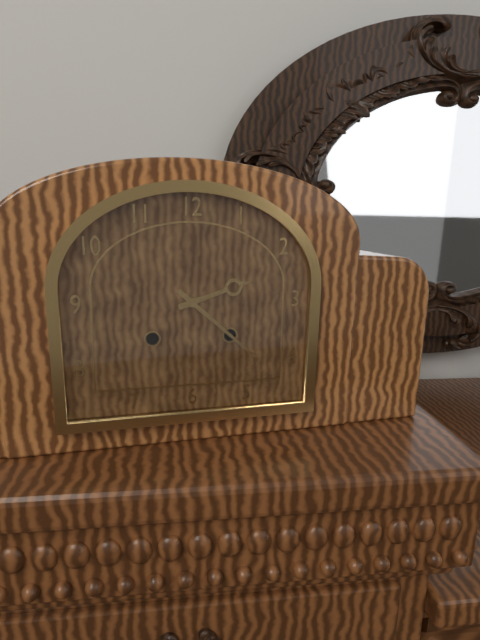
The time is 2:22
